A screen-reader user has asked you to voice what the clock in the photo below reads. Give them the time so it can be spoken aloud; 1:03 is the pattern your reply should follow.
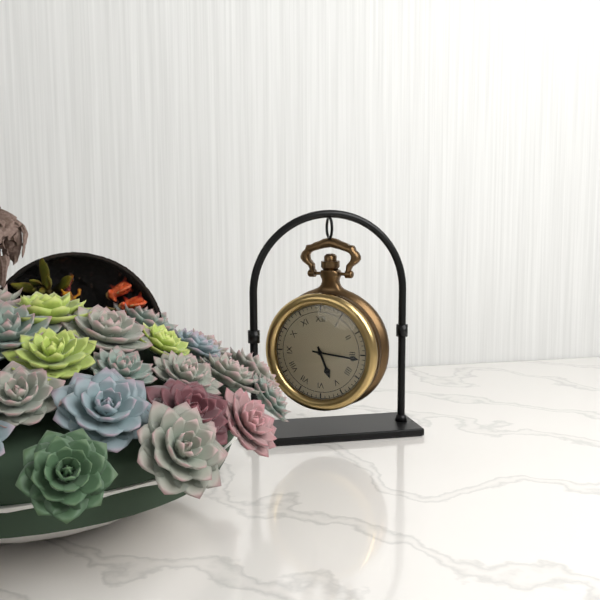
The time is 5:16
